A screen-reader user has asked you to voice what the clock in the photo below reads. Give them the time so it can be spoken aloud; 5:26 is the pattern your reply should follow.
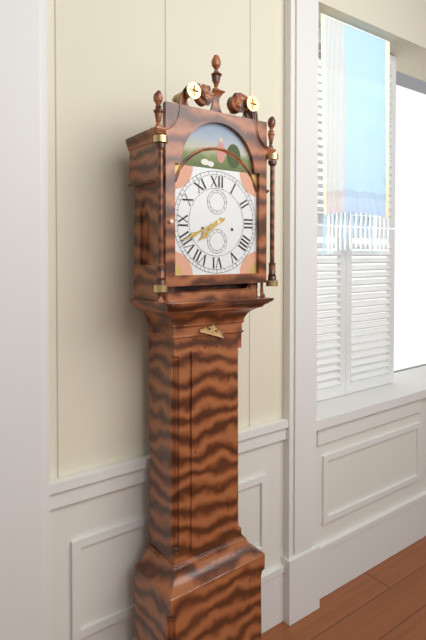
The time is 7:41
